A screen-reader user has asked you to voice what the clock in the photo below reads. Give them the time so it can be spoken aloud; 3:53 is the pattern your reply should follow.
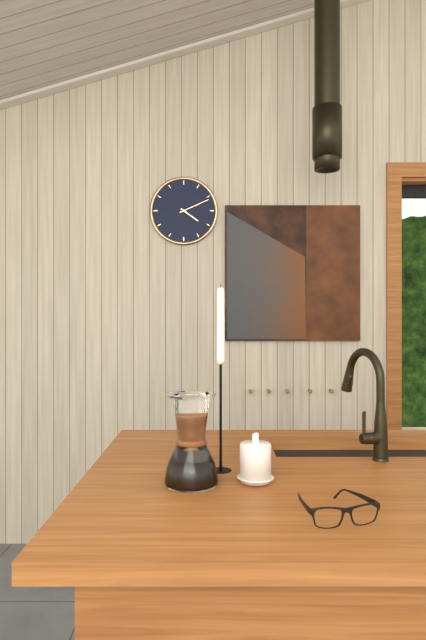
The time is 4:11
